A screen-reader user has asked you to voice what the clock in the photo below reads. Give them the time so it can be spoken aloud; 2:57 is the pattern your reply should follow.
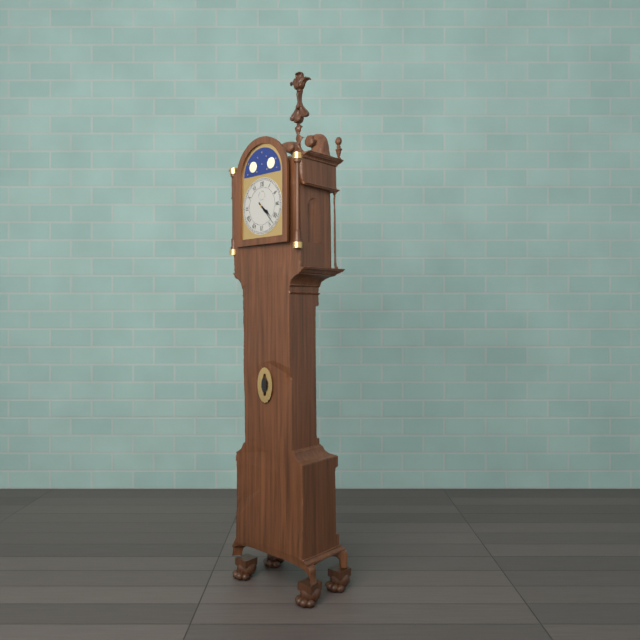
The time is 4:23
